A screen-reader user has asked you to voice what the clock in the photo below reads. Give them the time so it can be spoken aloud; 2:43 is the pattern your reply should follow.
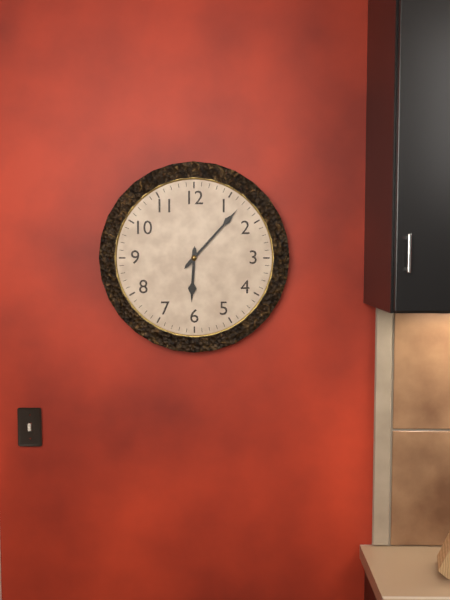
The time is 6:07
